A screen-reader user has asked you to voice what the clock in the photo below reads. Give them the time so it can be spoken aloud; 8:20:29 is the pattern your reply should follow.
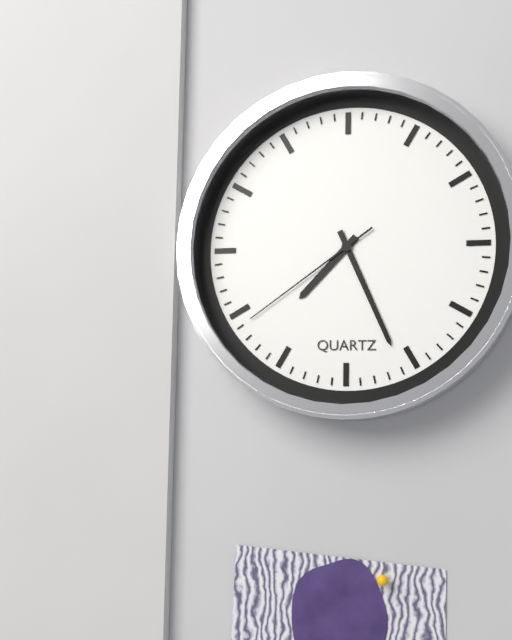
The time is 7:26:39
